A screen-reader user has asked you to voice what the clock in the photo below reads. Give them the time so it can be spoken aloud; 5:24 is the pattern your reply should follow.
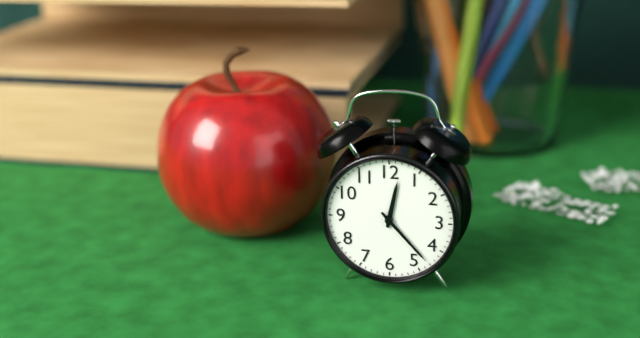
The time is 12:23
